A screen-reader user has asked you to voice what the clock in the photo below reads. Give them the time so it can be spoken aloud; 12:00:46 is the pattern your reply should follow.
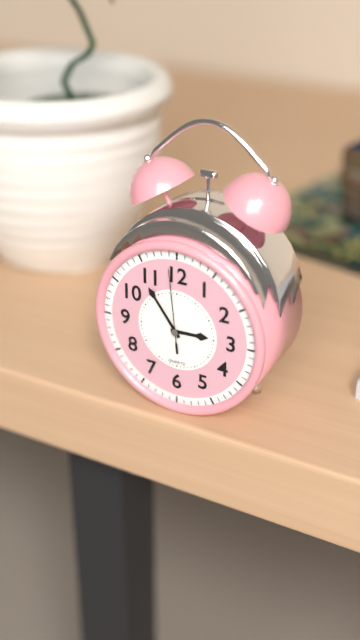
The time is 2:54:59
